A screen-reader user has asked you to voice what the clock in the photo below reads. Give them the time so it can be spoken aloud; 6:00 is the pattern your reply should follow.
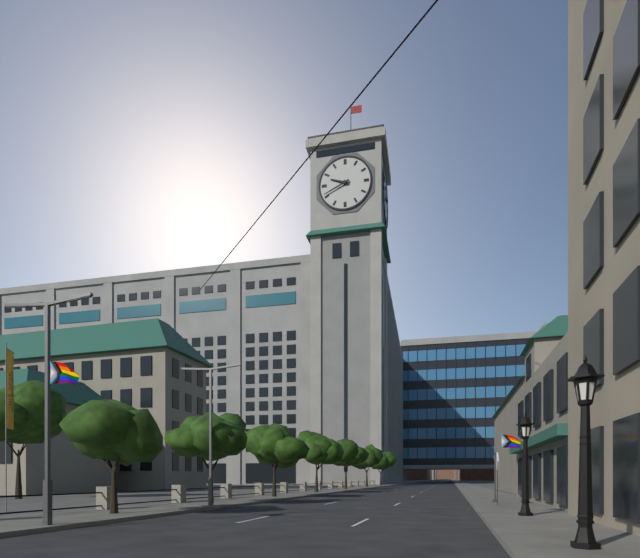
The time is 9:41
